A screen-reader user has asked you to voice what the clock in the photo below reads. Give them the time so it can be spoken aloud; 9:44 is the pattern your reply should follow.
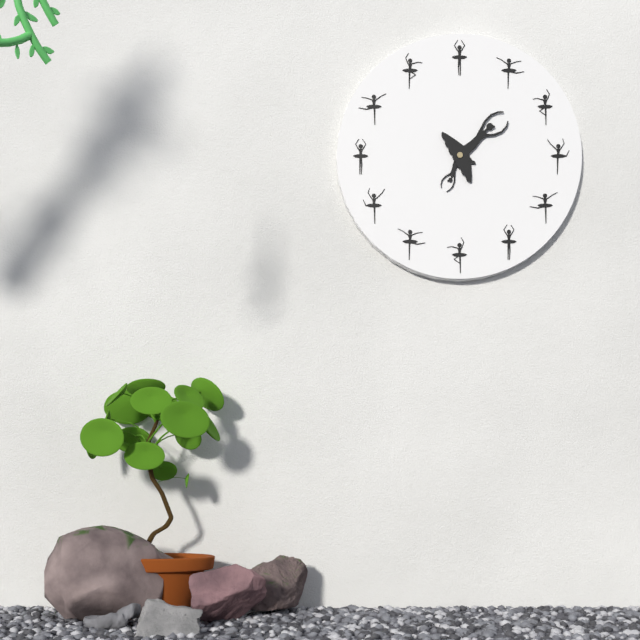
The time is 7:10
